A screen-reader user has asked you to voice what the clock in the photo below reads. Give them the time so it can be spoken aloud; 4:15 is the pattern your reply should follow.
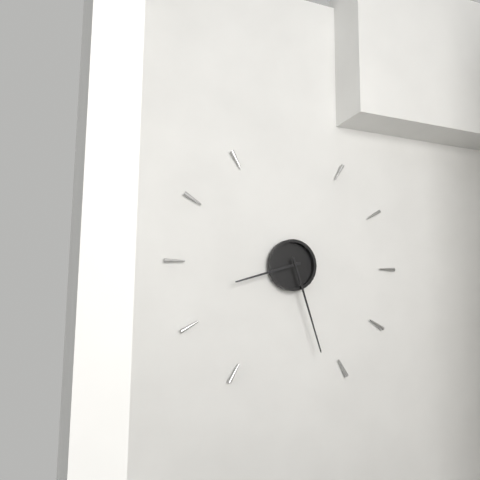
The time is 8:27
